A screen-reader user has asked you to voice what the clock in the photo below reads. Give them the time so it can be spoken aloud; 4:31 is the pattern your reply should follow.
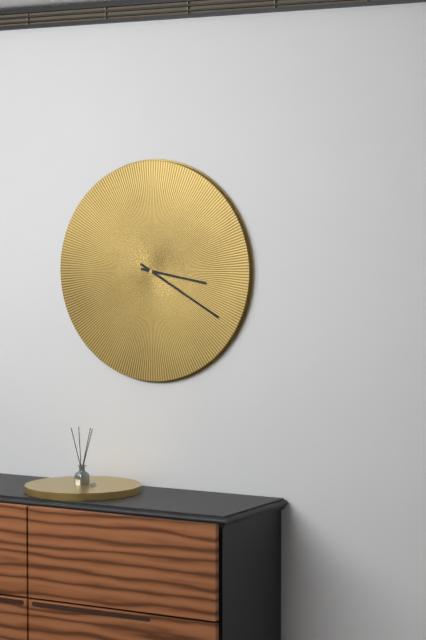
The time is 3:20
